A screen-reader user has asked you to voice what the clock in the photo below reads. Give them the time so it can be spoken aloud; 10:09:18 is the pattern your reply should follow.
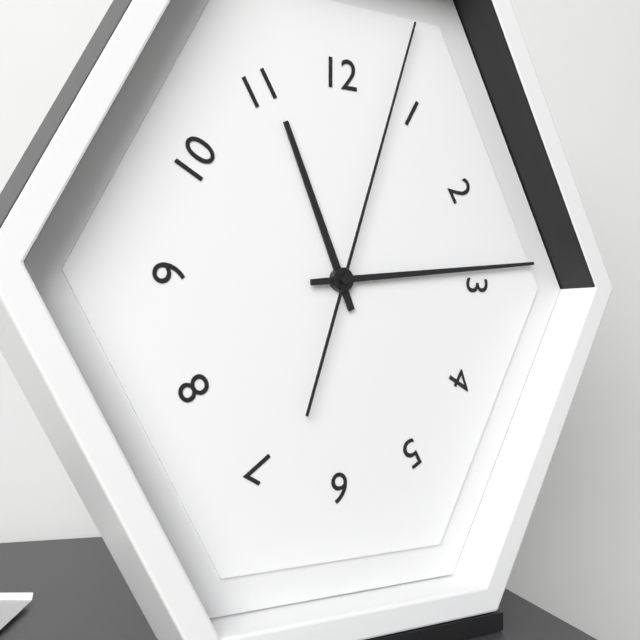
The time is 11:14:03
